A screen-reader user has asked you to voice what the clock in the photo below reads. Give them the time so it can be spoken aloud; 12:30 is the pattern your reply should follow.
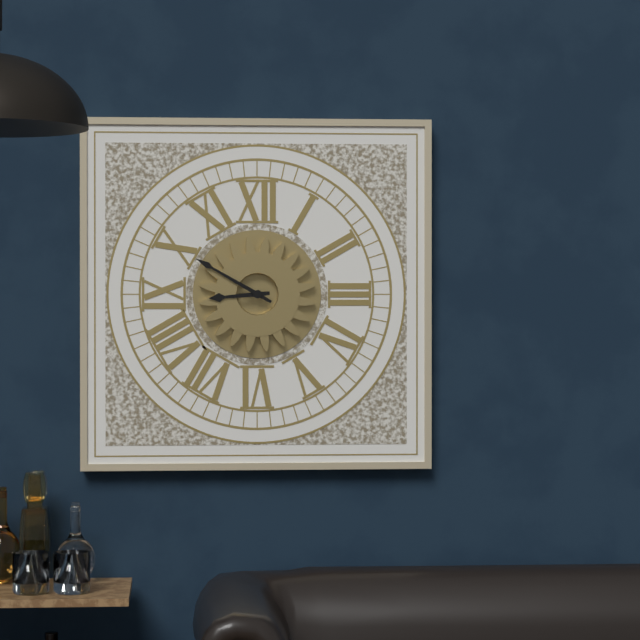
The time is 8:50
